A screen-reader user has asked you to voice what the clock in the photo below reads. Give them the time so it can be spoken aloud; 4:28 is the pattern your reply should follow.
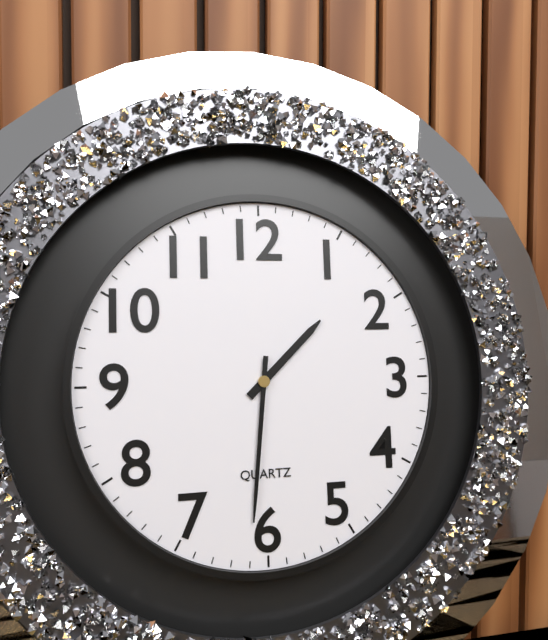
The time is 1:31
